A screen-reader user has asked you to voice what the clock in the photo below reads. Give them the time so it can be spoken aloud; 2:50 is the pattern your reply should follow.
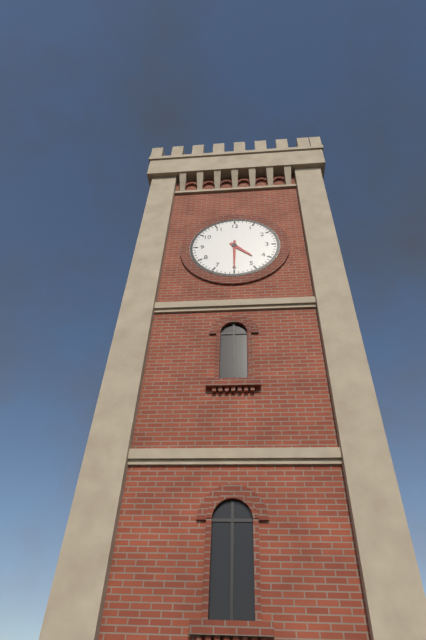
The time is 4:30
